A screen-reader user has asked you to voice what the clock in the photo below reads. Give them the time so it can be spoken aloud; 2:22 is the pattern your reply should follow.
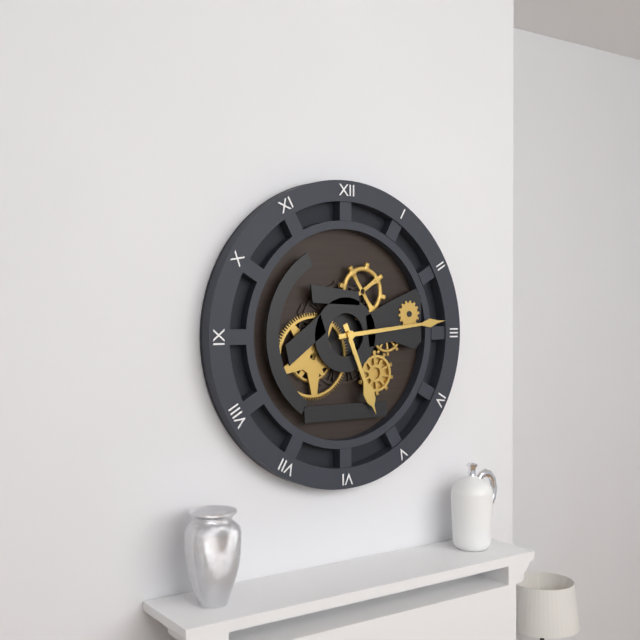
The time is 5:14
